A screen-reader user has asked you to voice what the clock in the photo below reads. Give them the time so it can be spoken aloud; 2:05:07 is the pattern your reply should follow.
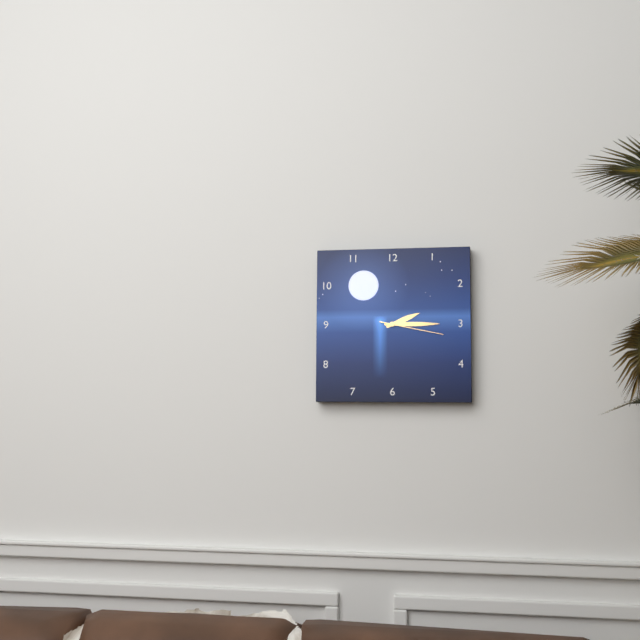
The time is 2:15:17
